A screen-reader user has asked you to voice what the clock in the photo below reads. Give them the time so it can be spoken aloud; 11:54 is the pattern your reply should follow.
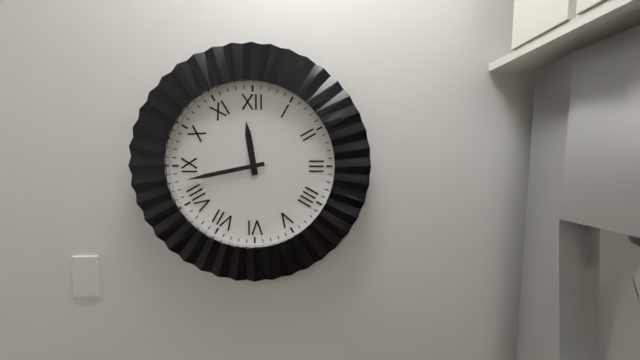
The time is 11:43
